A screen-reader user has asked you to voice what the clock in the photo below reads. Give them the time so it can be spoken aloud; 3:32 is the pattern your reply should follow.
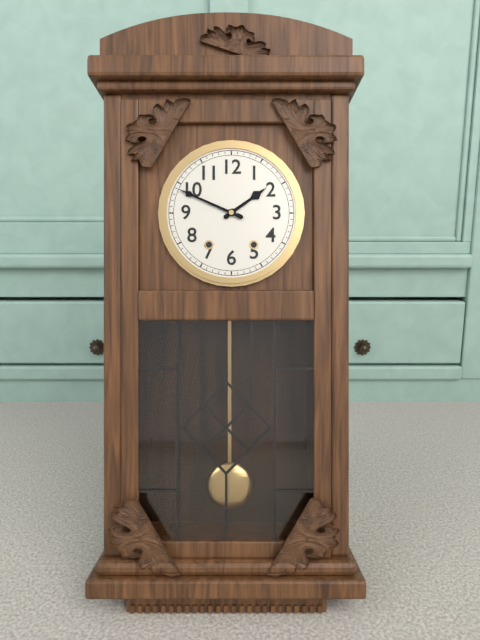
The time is 1:49
